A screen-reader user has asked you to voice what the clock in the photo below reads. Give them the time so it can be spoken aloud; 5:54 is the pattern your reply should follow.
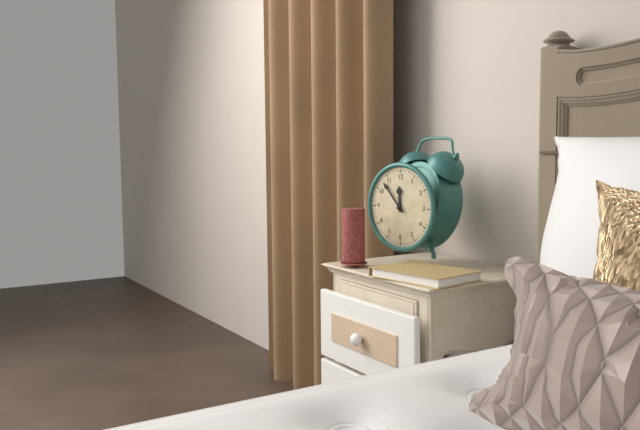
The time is 11:53
